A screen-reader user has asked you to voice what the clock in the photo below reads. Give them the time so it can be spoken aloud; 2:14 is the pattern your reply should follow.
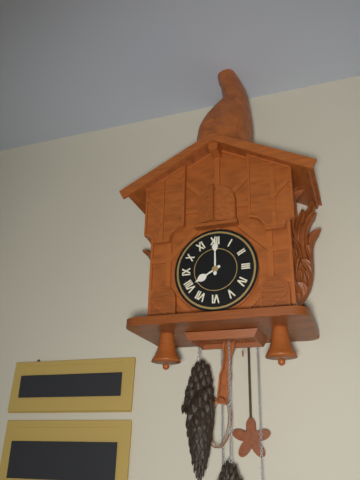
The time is 8:00
